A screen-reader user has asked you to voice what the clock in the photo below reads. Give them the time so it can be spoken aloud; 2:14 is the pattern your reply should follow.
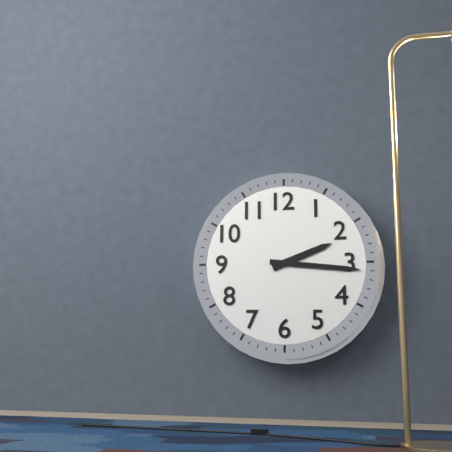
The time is 2:16
